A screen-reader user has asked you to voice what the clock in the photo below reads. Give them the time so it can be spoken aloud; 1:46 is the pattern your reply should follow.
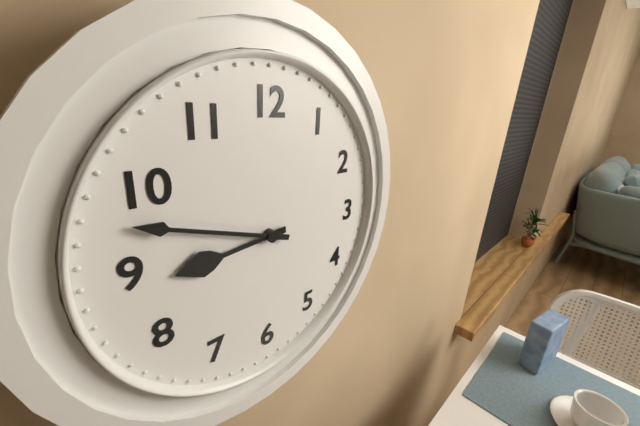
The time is 8:48
